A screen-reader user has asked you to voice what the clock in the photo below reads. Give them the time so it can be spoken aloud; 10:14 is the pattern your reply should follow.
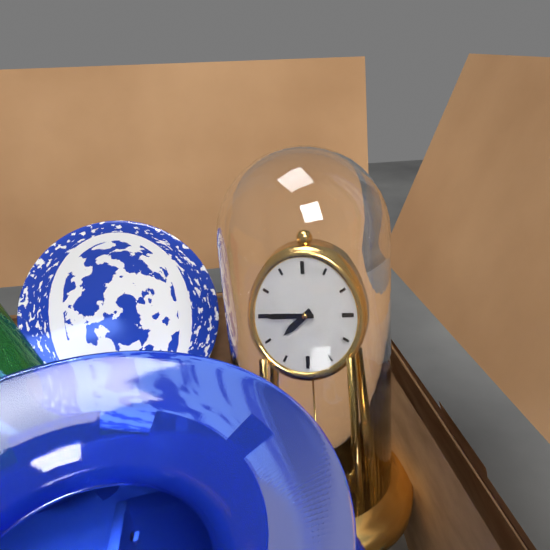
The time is 7:45
